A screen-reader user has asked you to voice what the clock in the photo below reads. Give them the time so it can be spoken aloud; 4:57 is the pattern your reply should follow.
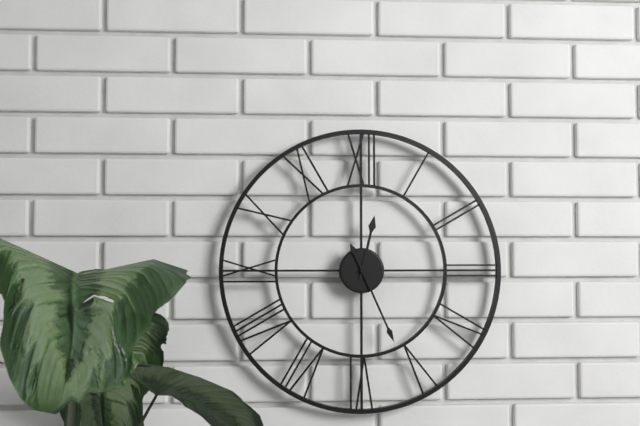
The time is 12:26
